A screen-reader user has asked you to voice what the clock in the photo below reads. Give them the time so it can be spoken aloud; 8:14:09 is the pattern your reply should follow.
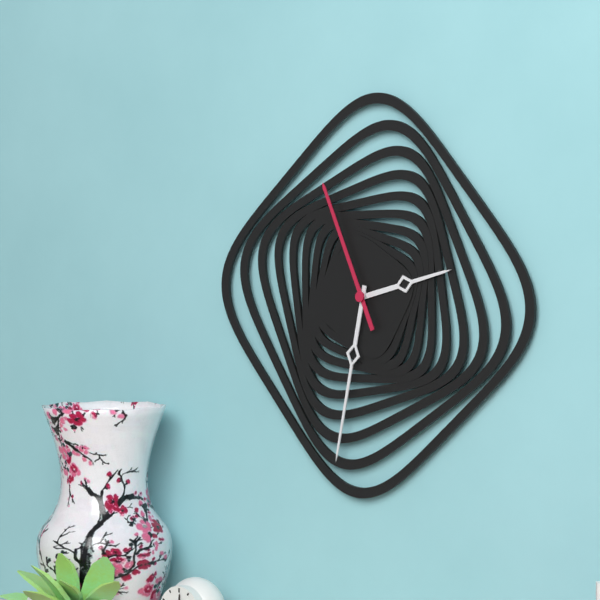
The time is 2:32:56
